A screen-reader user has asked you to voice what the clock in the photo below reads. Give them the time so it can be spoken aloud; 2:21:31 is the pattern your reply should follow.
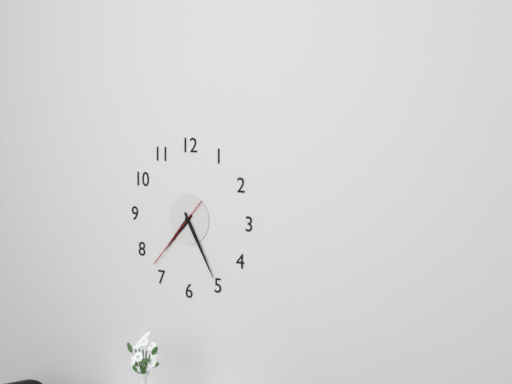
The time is 7:25:37
